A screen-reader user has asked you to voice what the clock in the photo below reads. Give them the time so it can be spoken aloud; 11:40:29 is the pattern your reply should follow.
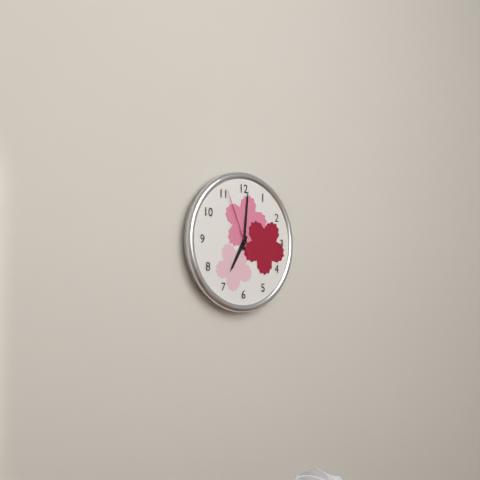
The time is 7:01:56
